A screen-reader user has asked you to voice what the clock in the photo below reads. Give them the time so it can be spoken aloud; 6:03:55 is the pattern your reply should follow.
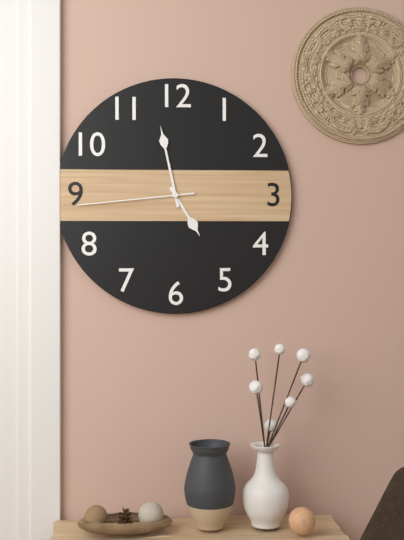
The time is 4:58:44
